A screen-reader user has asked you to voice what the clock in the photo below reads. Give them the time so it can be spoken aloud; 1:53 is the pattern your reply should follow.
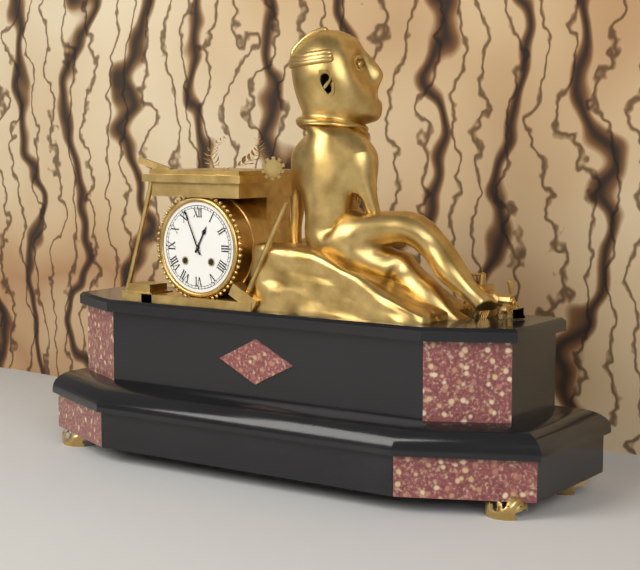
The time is 12:56
